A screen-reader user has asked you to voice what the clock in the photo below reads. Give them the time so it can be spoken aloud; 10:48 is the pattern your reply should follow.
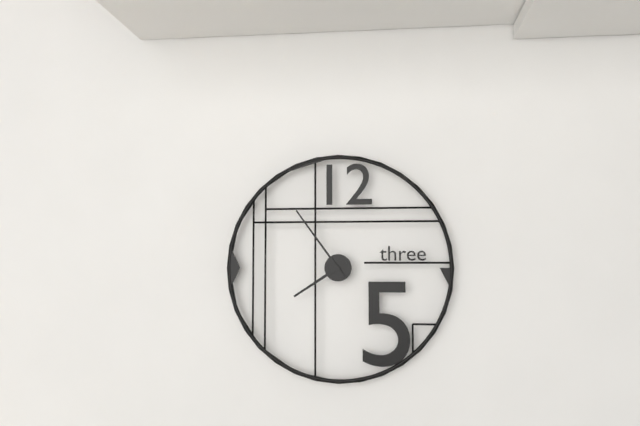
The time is 7:54
